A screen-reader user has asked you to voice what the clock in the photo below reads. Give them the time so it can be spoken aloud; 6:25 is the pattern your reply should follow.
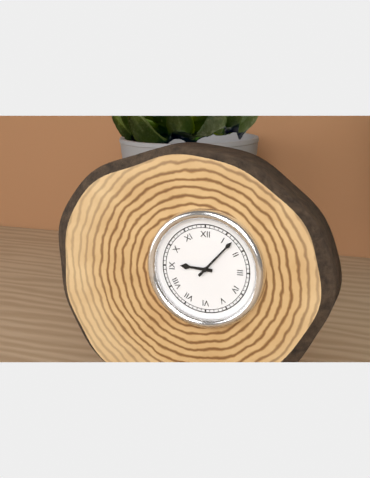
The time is 9:07
